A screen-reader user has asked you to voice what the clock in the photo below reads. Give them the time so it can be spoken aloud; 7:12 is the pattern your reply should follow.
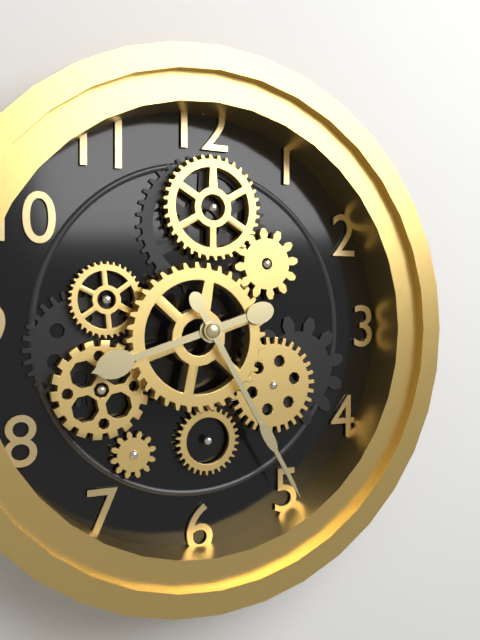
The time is 8:25
